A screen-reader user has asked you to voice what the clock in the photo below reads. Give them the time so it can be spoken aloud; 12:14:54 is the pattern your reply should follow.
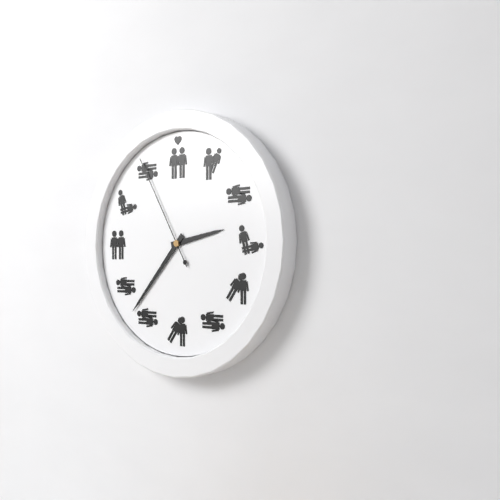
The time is 2:37:55
